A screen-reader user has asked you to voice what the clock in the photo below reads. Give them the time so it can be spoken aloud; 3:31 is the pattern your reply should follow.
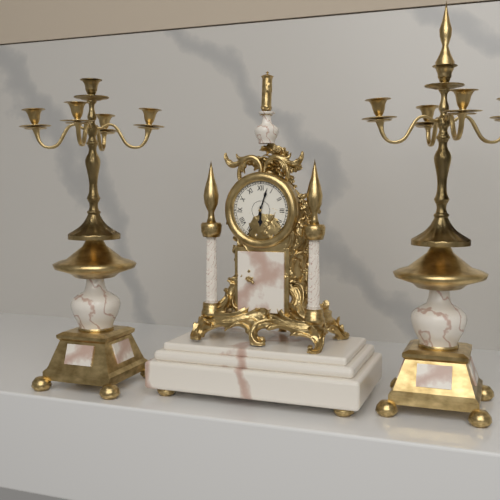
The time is 6:03
